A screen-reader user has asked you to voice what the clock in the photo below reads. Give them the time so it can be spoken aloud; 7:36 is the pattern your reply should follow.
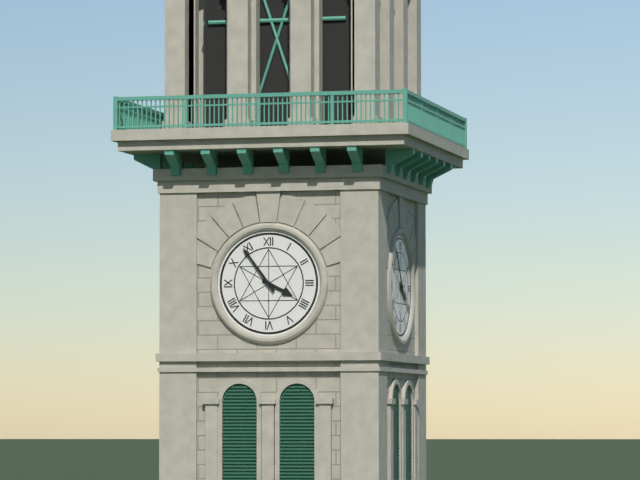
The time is 3:54
